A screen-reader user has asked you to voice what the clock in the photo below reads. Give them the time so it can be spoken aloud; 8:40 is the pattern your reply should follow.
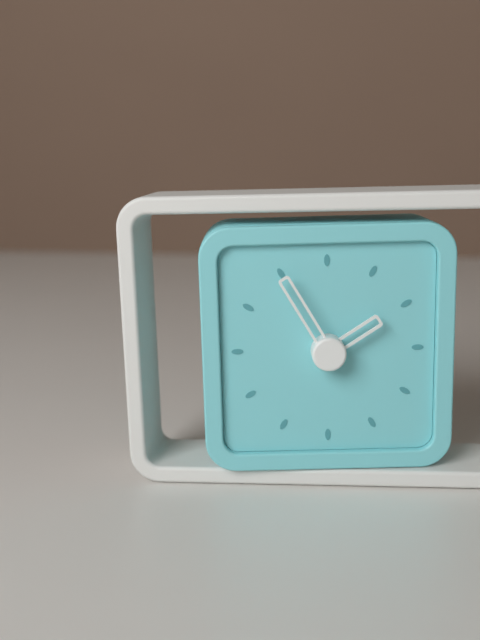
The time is 1:55
